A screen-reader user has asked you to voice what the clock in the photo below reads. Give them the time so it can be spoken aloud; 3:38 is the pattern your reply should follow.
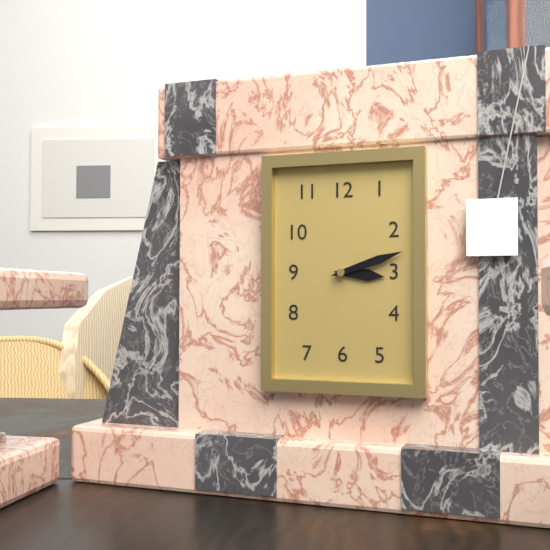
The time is 3:12
